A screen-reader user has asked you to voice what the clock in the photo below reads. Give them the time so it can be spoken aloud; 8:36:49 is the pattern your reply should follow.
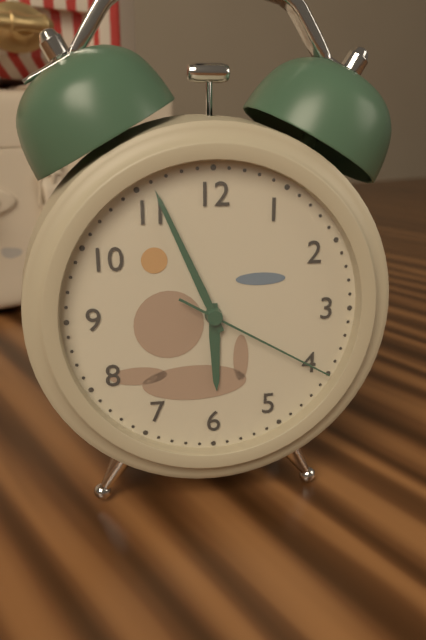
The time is 5:56:20
